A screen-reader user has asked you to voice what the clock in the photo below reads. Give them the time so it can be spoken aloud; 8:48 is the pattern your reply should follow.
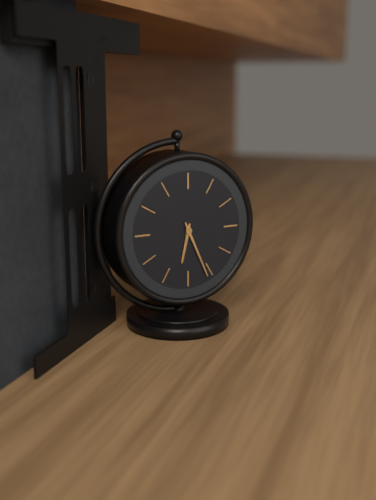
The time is 6:26
